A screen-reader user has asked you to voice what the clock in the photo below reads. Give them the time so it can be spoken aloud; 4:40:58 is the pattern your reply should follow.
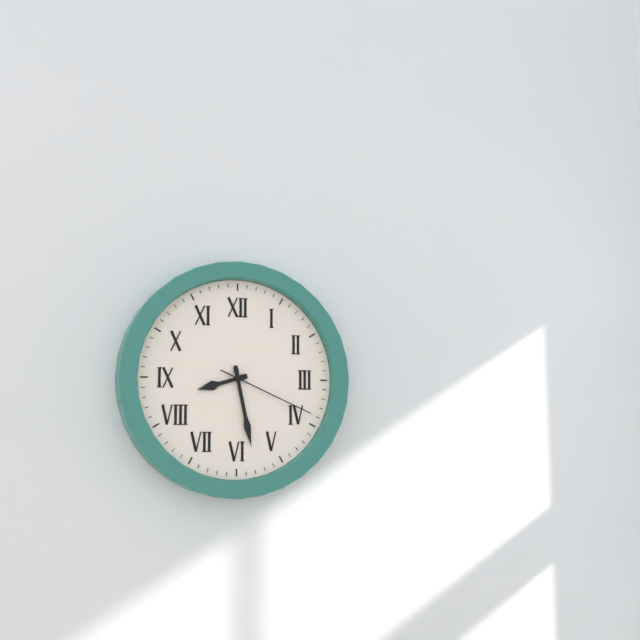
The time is 8:28:19
